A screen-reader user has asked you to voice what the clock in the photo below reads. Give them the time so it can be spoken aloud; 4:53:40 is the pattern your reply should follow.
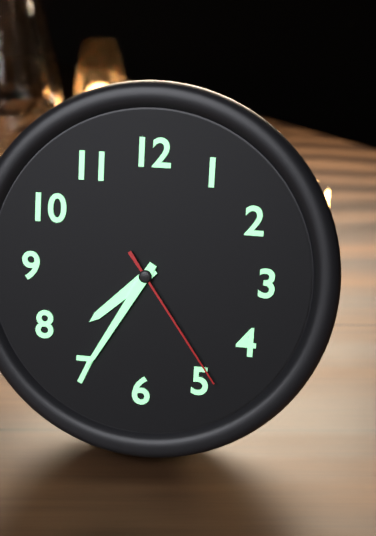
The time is 7:35:24
